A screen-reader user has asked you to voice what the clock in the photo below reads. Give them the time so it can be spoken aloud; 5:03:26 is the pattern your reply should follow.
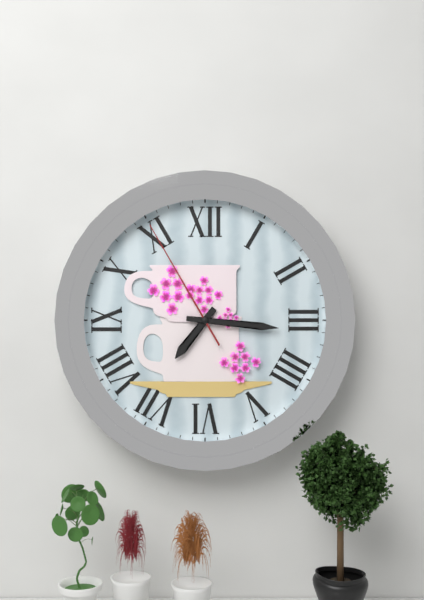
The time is 7:16:55
